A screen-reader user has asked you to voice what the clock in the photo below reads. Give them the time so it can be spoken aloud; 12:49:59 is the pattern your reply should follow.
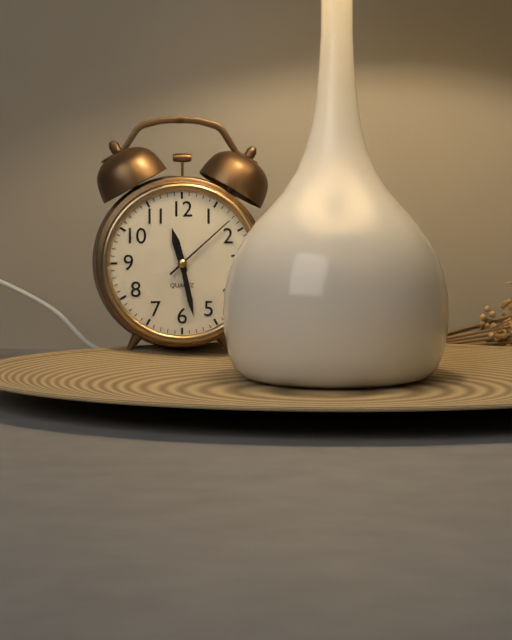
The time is 11:28:08
